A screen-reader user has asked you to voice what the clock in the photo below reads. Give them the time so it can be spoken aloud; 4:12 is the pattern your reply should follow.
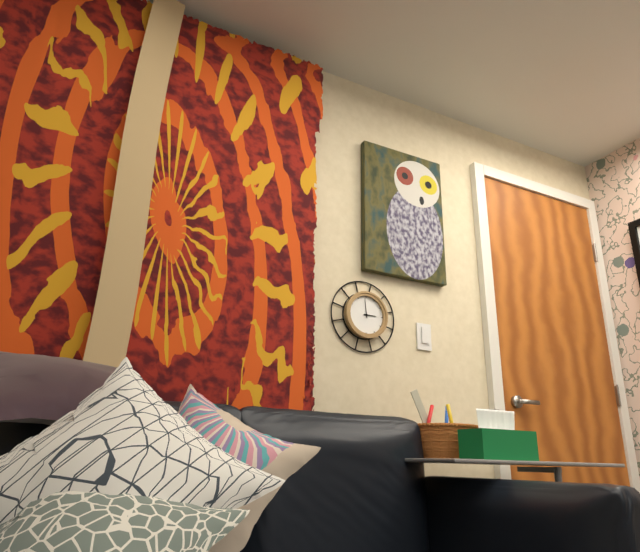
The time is 2:59
